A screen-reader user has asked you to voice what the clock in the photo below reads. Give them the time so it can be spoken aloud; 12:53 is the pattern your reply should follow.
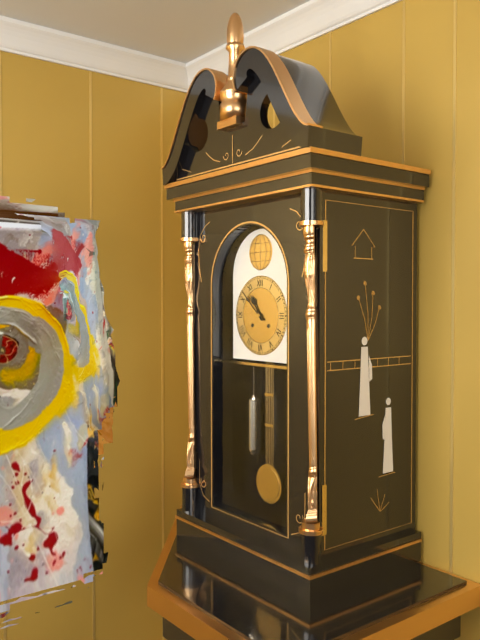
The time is 10:52
